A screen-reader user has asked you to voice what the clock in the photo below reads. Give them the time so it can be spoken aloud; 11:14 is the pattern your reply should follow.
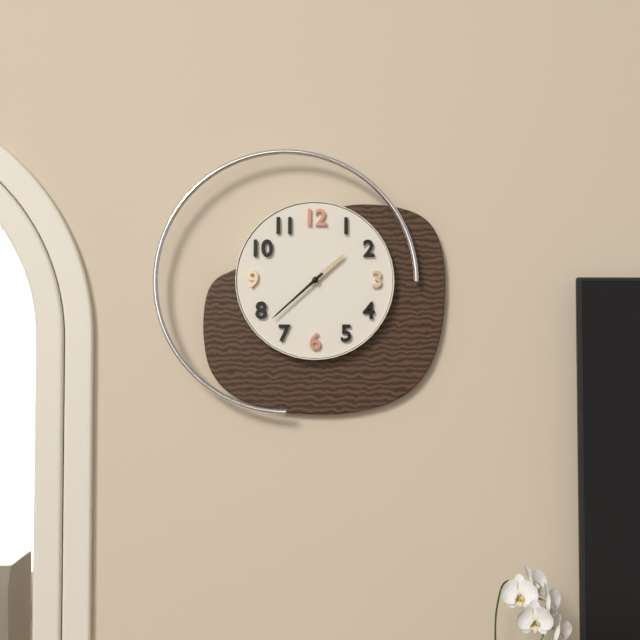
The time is 1:38
